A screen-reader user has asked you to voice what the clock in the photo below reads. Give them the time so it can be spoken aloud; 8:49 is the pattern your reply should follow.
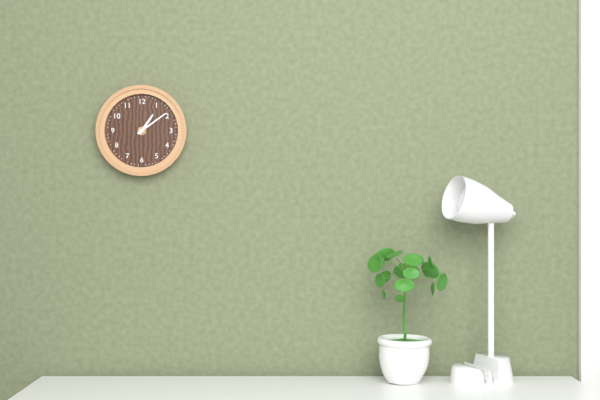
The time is 1:09
